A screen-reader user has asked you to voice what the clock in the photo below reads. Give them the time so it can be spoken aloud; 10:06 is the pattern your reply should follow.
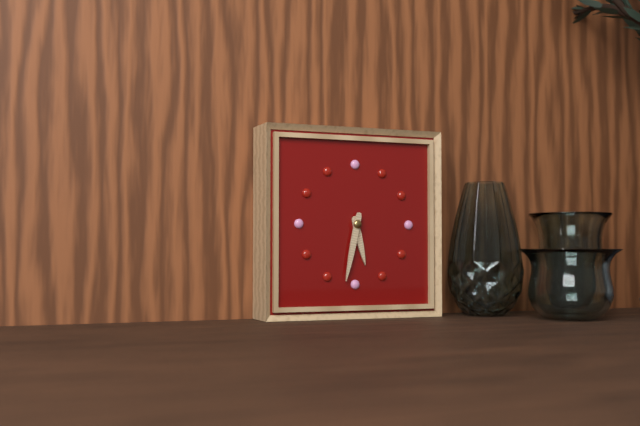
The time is 5:32
